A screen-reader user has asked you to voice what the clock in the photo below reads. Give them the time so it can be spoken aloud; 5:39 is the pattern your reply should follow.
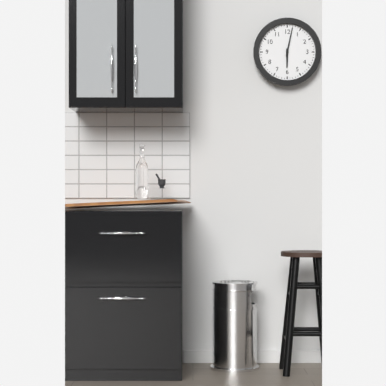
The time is 6:02
